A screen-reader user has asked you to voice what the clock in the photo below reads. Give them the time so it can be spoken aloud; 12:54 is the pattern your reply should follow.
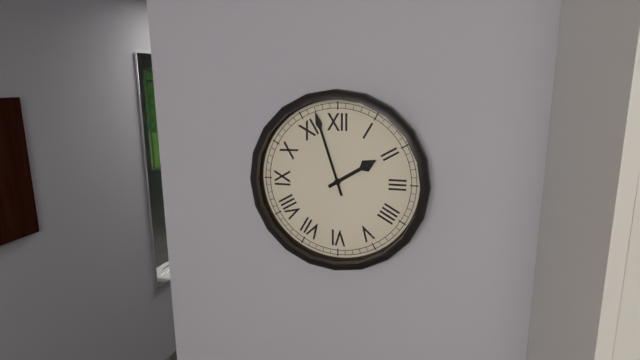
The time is 1:57
